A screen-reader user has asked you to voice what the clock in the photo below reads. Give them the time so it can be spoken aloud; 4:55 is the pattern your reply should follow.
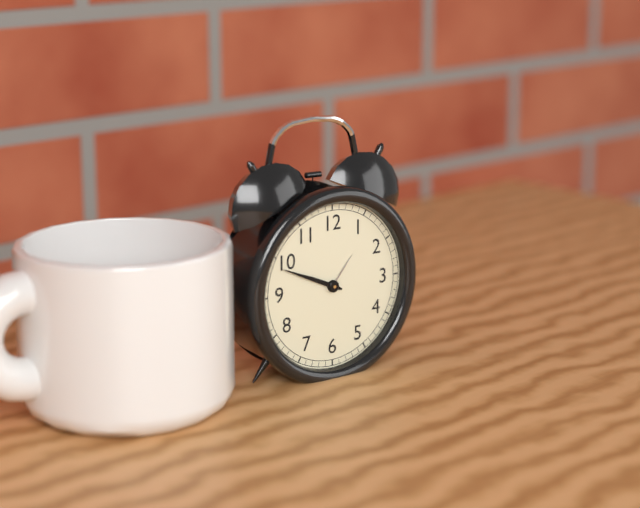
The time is 9:49
